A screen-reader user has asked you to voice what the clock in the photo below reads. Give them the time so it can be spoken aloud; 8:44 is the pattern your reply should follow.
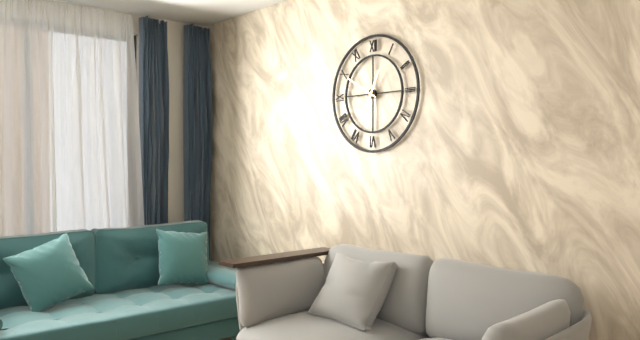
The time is 12:50
